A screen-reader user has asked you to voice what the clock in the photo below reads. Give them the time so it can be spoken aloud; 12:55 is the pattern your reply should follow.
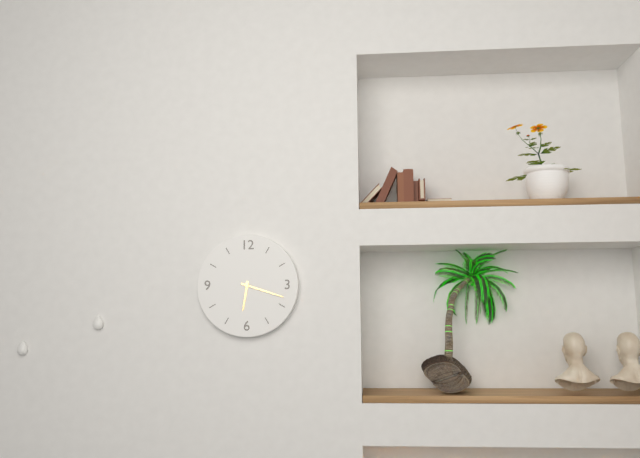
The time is 6:18
